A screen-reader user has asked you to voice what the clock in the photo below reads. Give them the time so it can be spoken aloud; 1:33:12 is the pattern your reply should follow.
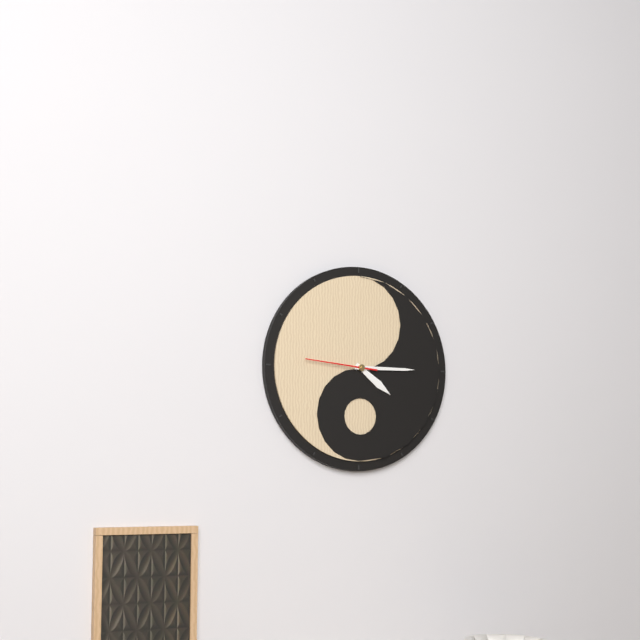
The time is 4:15:46
